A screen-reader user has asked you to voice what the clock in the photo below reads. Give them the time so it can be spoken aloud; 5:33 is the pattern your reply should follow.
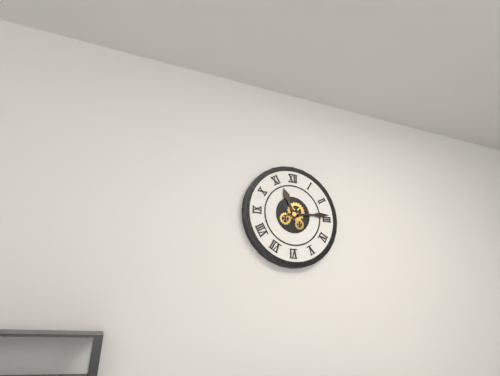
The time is 11:14
